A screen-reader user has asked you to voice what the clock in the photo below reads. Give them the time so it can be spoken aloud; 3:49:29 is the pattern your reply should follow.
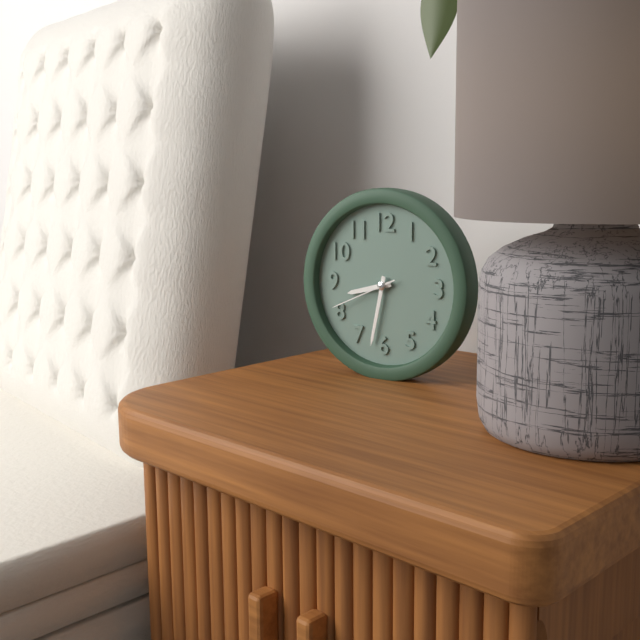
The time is 8:32:41
